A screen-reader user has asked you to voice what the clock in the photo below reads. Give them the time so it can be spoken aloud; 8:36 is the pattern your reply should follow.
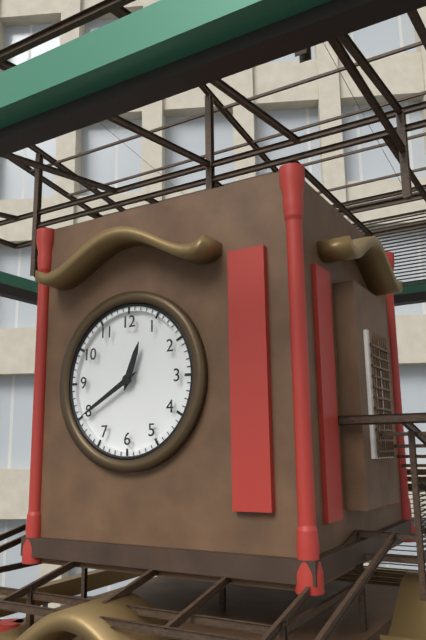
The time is 12:40
